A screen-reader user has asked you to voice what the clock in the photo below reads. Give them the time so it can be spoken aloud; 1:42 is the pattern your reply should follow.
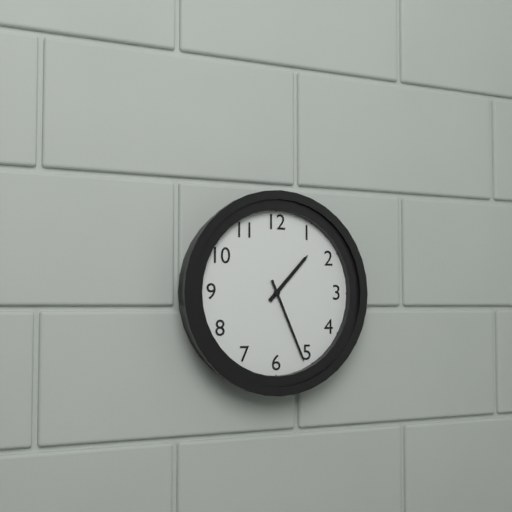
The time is 1:26
